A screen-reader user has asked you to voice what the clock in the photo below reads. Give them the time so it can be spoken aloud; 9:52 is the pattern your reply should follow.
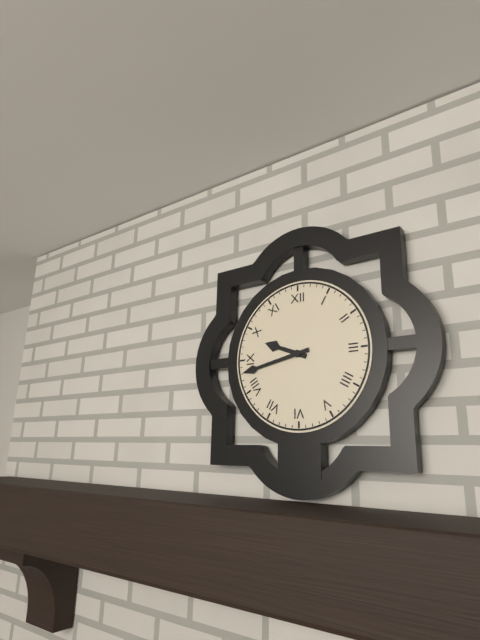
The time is 9:43
